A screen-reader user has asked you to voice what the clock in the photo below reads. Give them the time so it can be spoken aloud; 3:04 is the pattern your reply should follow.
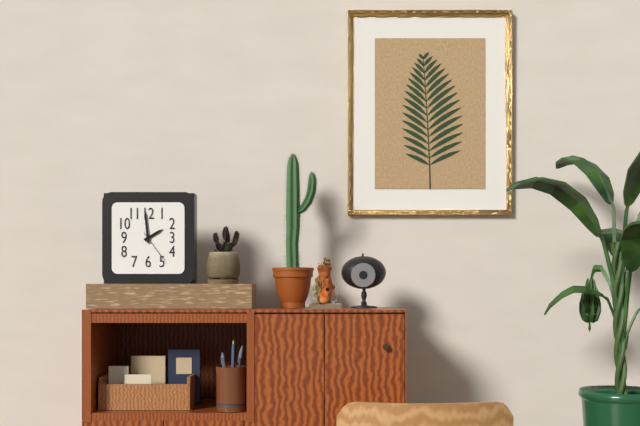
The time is 1:59
